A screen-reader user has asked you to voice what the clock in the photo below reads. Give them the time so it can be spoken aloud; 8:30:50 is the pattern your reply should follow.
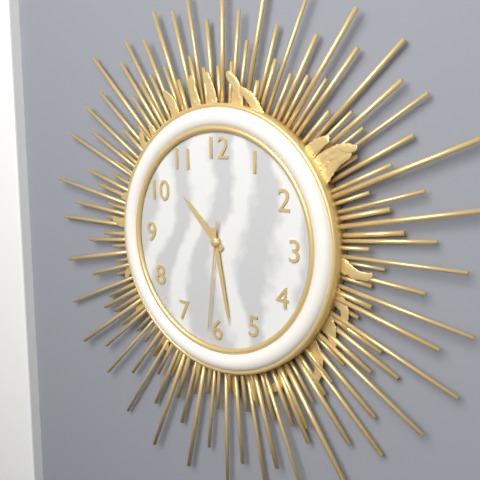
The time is 10:28:31
